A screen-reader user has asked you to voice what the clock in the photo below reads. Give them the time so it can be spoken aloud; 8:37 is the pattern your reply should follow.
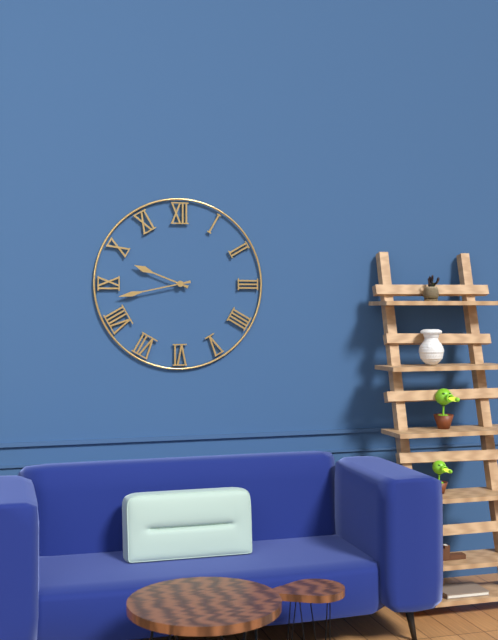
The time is 9:43
